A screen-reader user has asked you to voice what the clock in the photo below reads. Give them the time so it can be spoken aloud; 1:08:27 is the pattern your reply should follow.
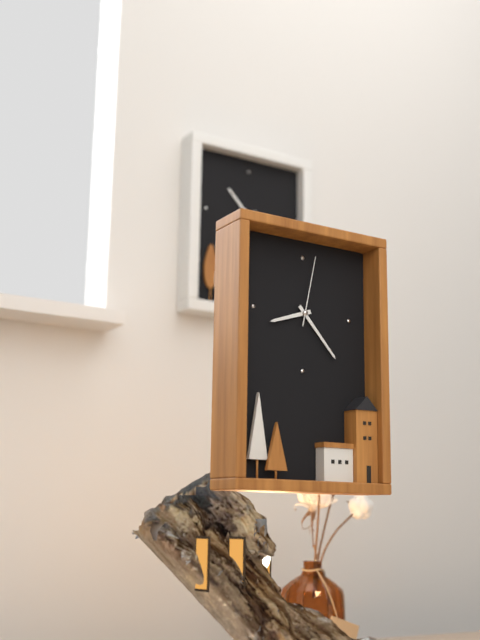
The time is 8:23:02
